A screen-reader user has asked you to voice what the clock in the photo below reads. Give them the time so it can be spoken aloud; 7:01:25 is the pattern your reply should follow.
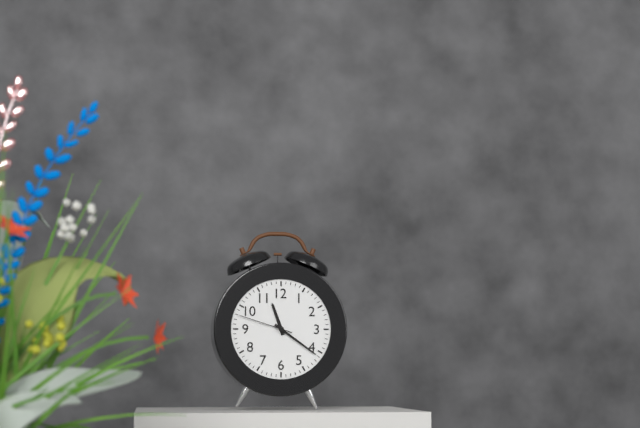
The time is 11:21:48
